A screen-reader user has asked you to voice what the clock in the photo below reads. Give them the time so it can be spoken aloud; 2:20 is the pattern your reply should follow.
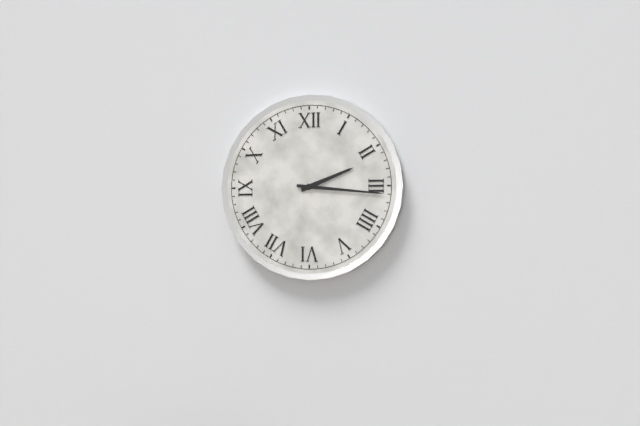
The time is 2:16
